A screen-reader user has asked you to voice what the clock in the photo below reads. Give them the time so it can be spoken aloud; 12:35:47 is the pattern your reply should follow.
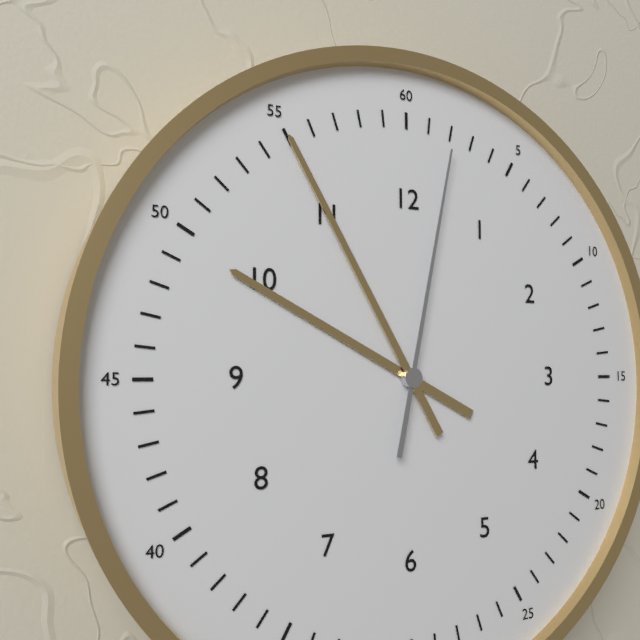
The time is 9:55:02
